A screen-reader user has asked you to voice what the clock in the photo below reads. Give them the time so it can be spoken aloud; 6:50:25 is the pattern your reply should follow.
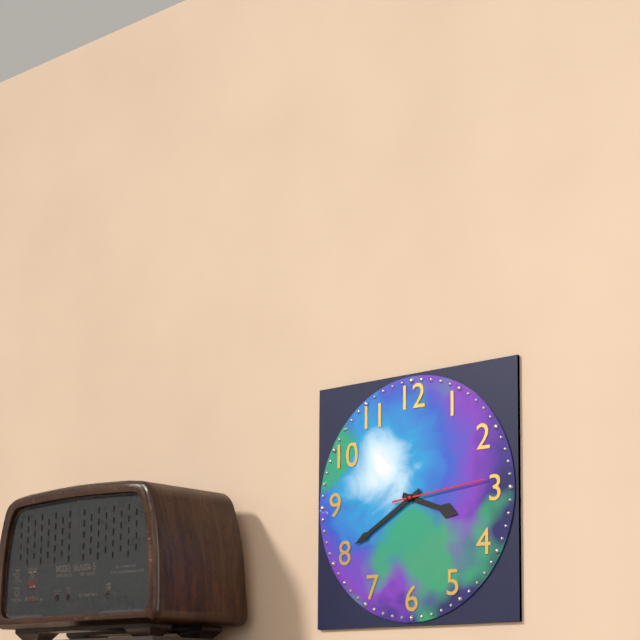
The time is 3:40:14
